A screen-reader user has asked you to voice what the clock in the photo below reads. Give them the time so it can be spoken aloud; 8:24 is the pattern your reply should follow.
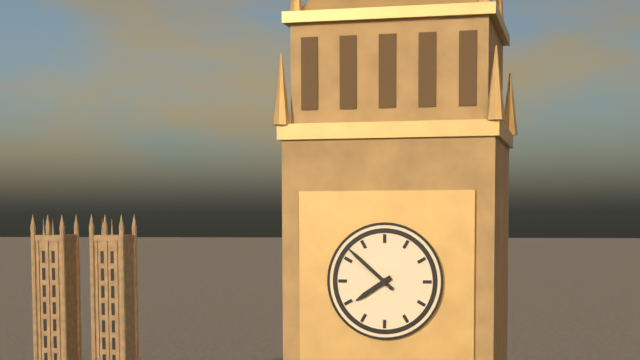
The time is 7:52
